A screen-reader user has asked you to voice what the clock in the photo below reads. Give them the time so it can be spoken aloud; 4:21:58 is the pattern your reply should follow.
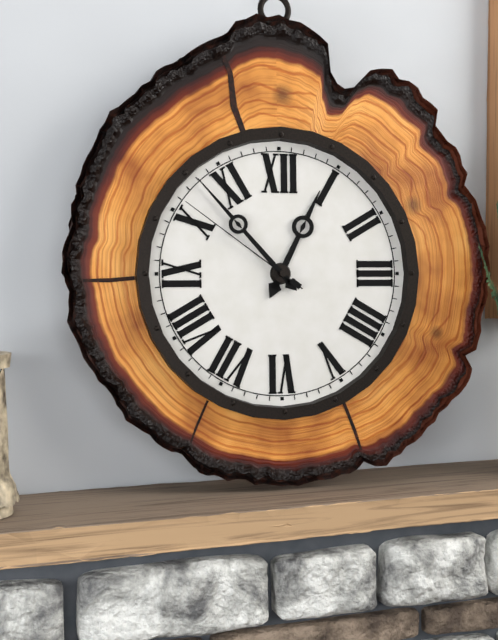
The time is 12:53:51
